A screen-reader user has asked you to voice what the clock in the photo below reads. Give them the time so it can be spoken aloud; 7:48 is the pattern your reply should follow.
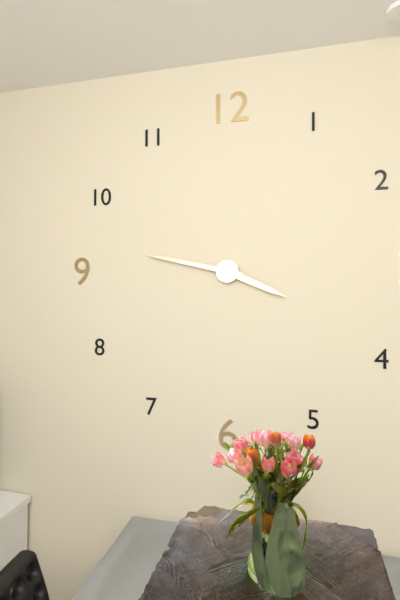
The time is 3:47
